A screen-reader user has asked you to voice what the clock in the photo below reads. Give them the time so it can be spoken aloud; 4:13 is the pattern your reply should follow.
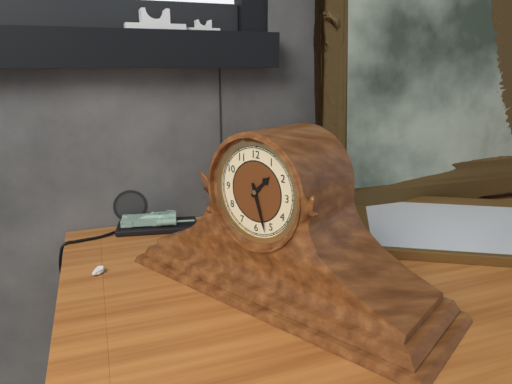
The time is 1:27
